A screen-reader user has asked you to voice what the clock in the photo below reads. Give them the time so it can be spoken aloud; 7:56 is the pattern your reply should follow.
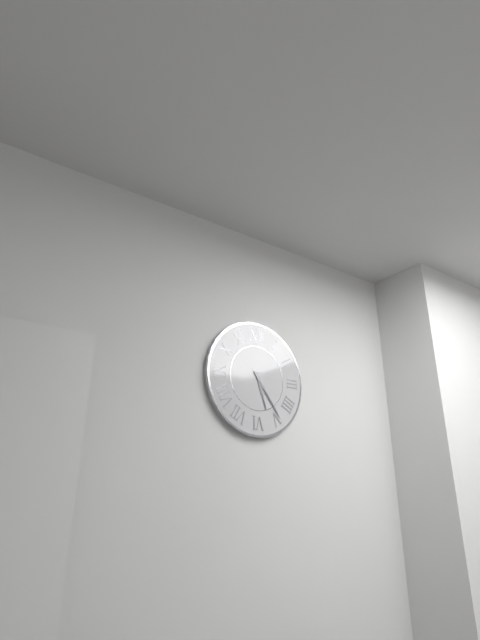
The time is 5:24
